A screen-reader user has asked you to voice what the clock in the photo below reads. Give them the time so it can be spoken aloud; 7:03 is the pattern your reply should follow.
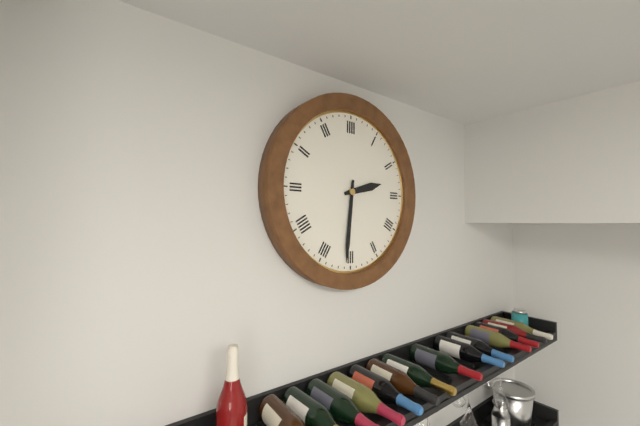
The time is 2:31
